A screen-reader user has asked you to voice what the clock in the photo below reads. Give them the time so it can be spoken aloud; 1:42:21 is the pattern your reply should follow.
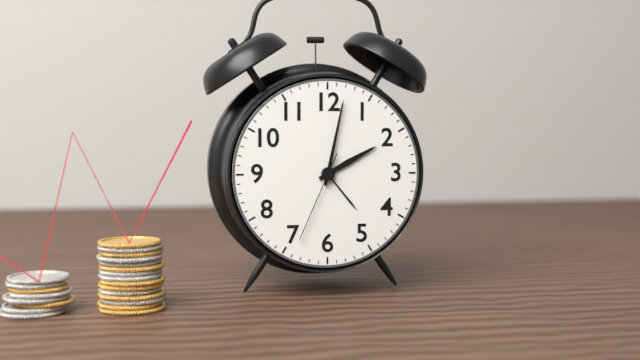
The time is 2:02:34
